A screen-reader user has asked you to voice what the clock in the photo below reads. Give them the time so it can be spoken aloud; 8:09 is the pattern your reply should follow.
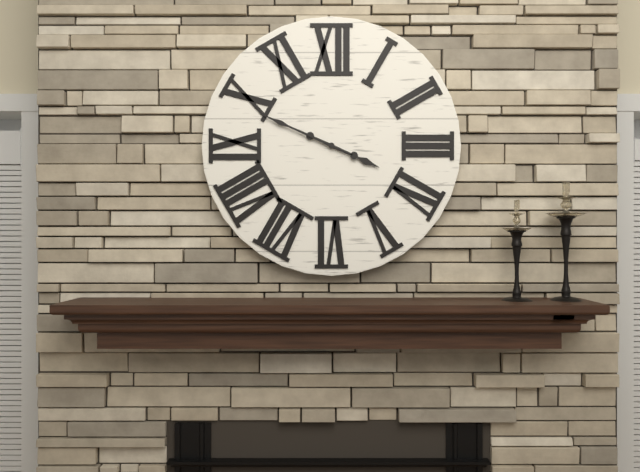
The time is 3:49
